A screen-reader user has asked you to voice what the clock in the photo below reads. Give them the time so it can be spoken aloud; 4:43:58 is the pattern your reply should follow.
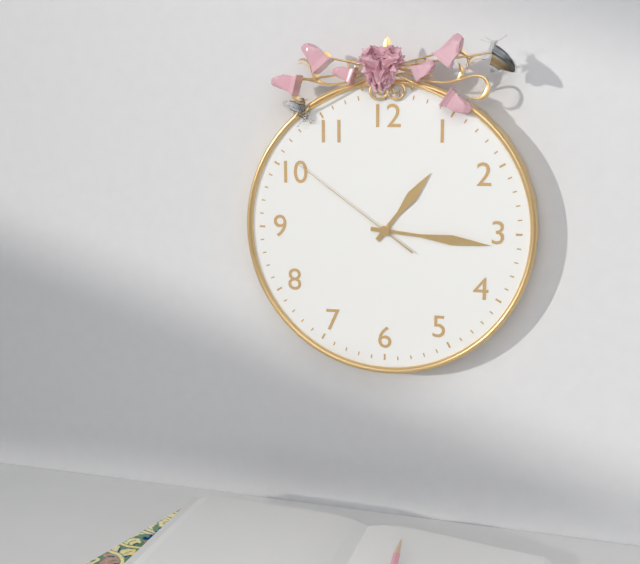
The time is 1:16:51
